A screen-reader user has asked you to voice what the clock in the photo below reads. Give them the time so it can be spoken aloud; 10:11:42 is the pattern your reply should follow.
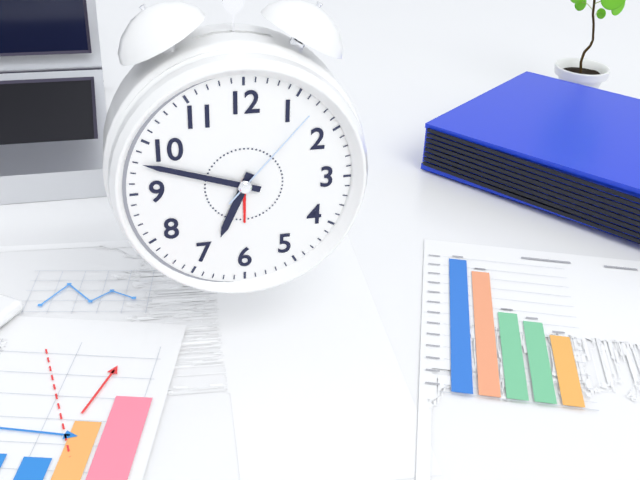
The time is 6:48:07
